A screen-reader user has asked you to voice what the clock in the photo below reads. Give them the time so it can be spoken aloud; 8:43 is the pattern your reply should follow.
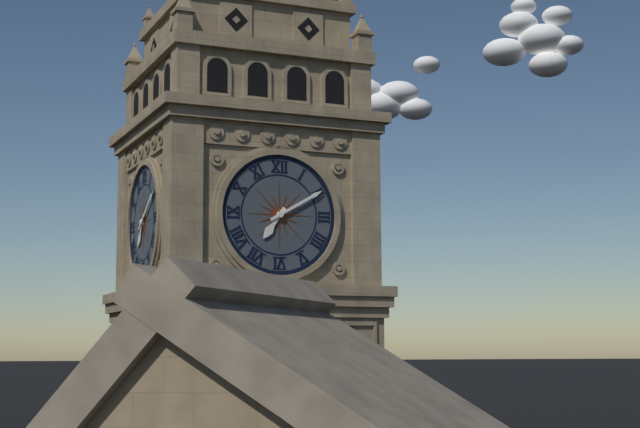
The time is 7:10
